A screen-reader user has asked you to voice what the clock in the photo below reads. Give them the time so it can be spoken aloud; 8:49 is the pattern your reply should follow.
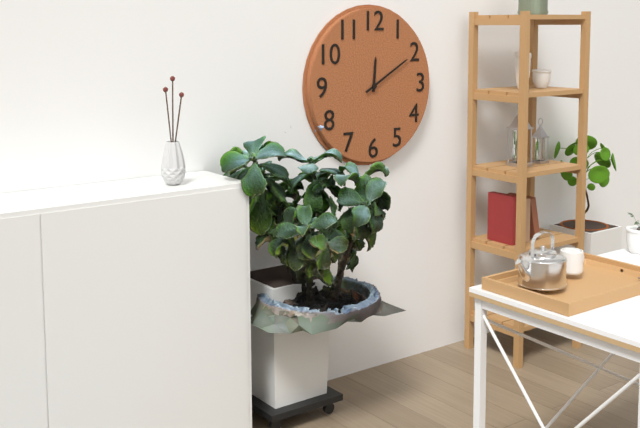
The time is 12:10
